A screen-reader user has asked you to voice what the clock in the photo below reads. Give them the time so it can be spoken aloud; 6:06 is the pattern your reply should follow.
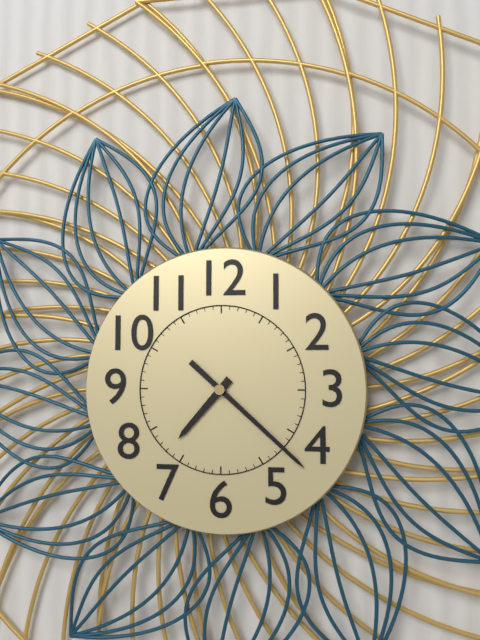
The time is 7:22
